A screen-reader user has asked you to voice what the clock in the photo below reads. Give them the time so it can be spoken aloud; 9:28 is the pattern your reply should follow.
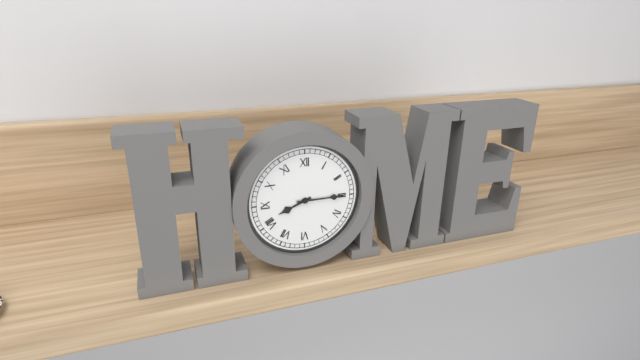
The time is 8:15
